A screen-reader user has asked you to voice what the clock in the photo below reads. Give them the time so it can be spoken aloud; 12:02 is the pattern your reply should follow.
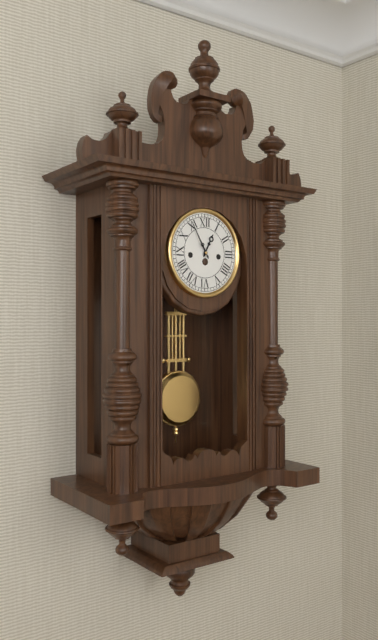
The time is 12:55
